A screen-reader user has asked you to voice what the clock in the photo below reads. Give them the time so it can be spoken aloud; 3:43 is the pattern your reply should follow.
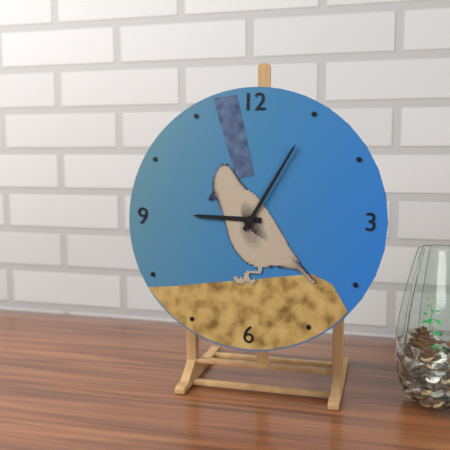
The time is 9:05
